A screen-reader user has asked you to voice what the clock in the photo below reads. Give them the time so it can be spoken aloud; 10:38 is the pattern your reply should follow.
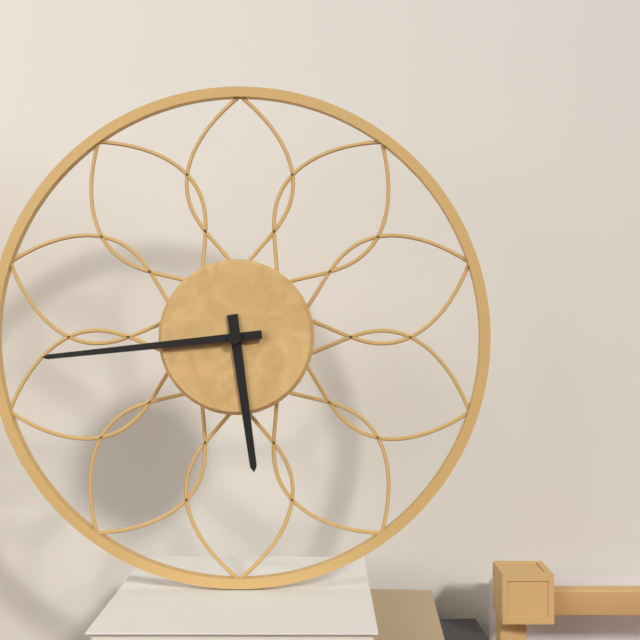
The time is 5:44
